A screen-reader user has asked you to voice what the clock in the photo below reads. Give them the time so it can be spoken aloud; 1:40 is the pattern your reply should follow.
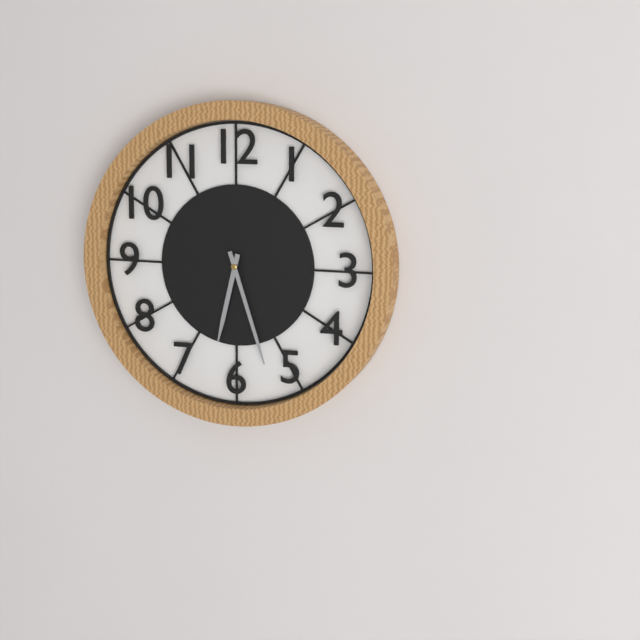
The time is 6:27
